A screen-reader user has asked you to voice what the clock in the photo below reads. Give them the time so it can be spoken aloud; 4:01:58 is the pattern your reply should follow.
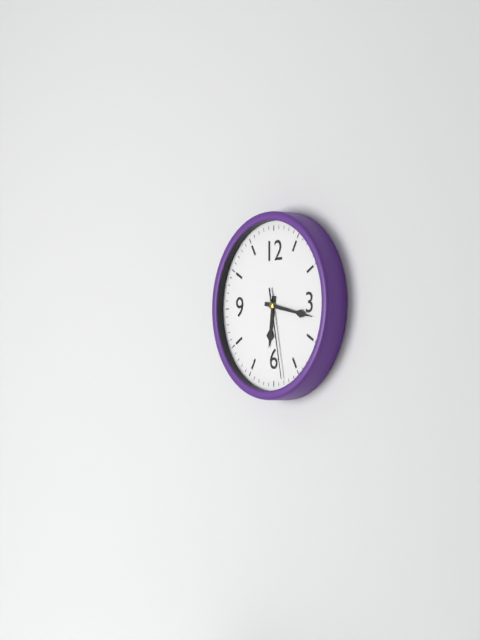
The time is 6:17:28
